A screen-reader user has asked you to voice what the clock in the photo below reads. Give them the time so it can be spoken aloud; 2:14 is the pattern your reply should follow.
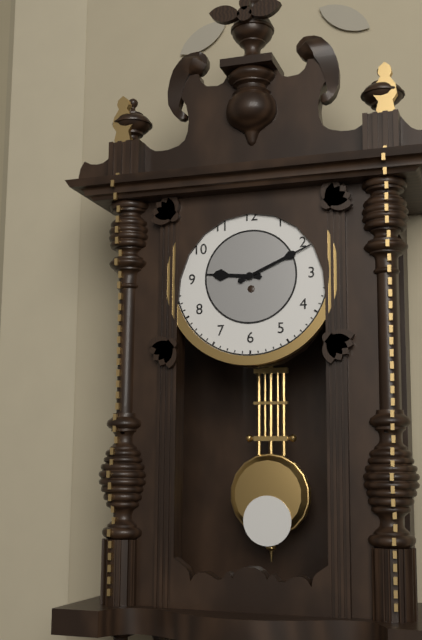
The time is 9:11
